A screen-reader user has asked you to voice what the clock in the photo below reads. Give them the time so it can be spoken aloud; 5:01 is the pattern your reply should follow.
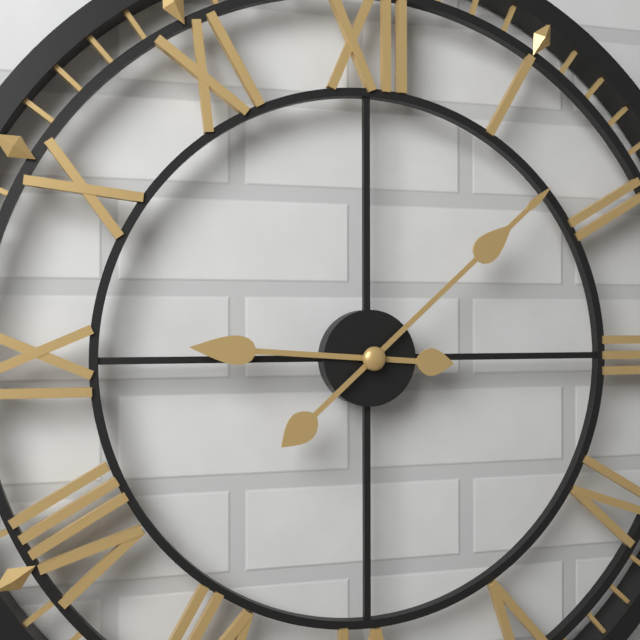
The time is 9:08
